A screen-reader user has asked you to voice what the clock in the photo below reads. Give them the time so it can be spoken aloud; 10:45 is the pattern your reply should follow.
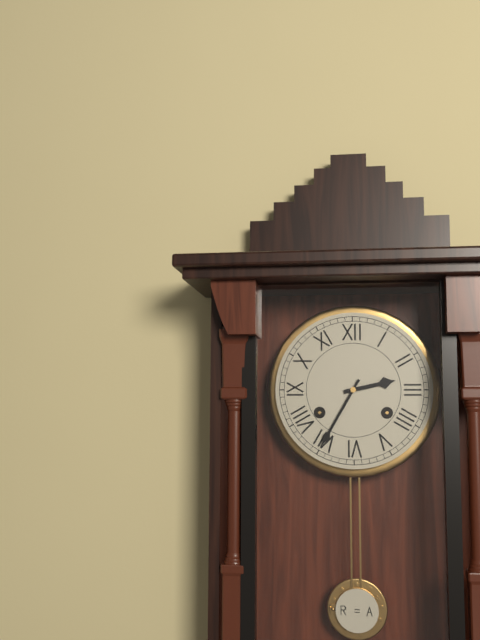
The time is 2:35
